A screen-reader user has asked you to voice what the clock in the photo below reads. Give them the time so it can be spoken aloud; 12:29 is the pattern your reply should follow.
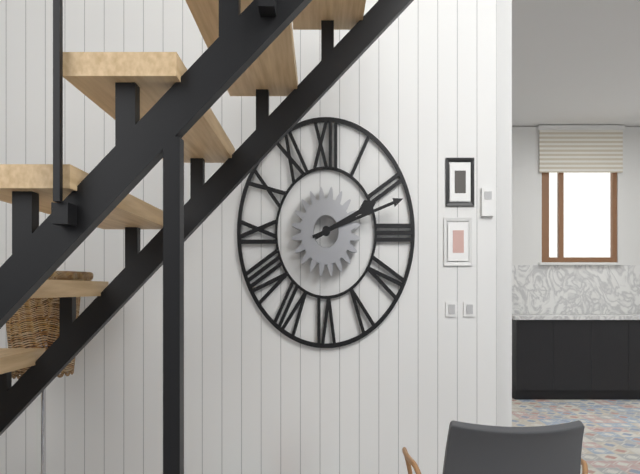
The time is 2:12
